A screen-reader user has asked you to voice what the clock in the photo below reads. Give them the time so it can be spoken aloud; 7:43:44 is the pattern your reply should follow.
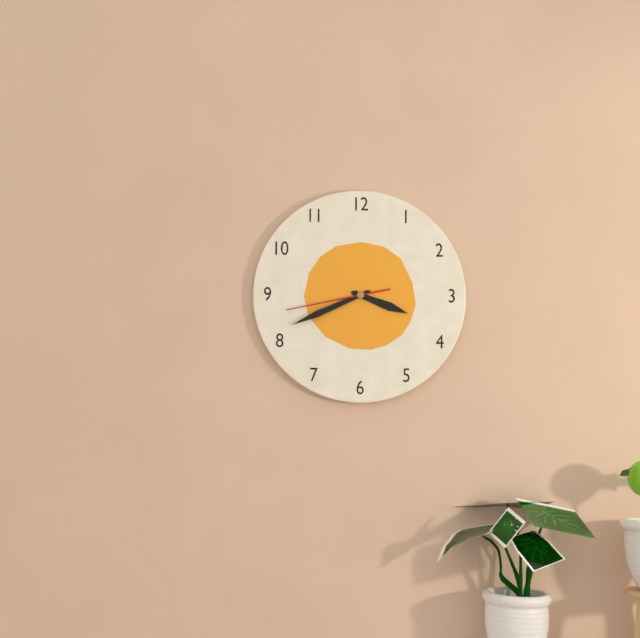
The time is 3:41:43
